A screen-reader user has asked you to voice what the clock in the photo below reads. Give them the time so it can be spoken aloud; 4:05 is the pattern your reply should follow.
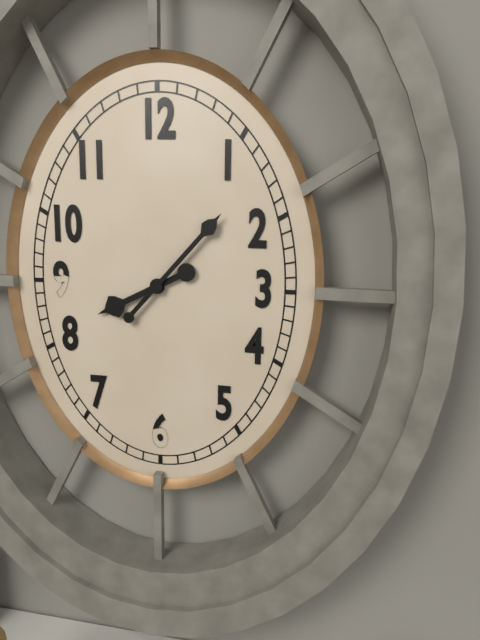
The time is 8:07
